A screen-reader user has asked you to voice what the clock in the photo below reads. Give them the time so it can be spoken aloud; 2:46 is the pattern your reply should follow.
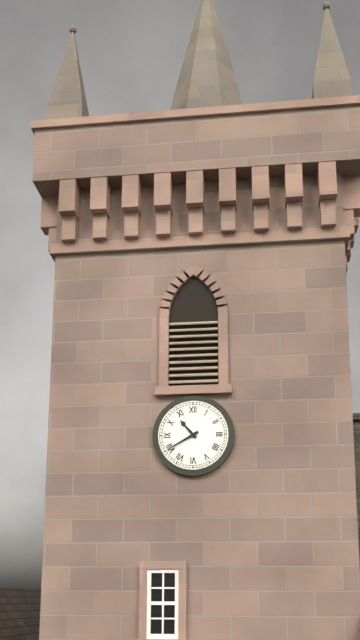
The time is 10:40
